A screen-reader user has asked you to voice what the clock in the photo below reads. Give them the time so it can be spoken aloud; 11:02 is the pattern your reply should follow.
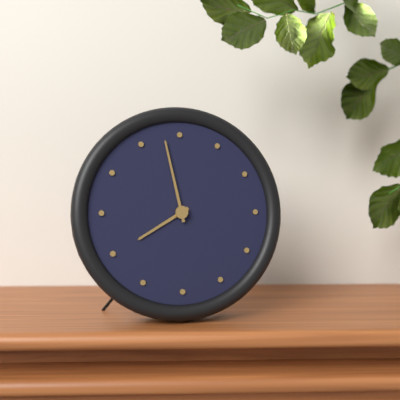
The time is 7:58
